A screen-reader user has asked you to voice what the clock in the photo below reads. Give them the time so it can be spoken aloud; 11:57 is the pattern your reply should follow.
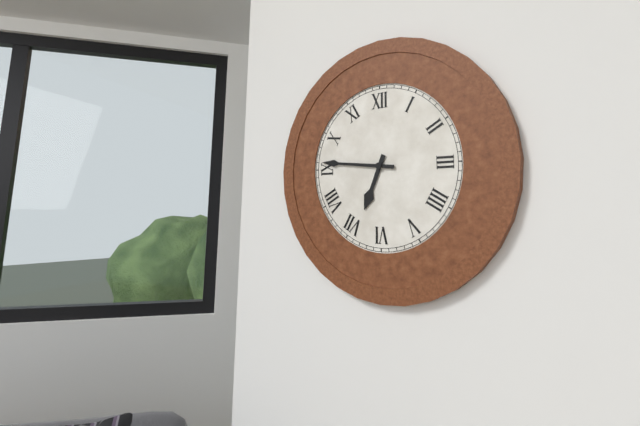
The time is 6:46
